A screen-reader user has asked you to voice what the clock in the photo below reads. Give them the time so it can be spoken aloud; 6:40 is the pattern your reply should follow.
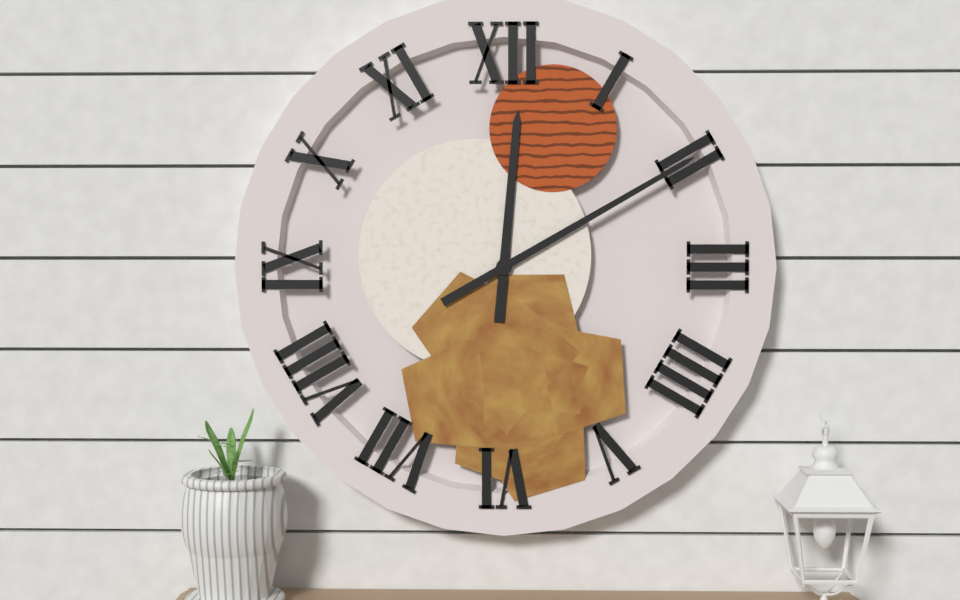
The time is 12:10
